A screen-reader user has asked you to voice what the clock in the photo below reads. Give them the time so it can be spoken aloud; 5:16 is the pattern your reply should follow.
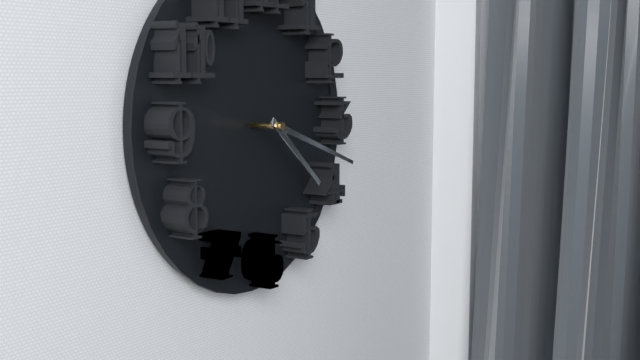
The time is 4:18
